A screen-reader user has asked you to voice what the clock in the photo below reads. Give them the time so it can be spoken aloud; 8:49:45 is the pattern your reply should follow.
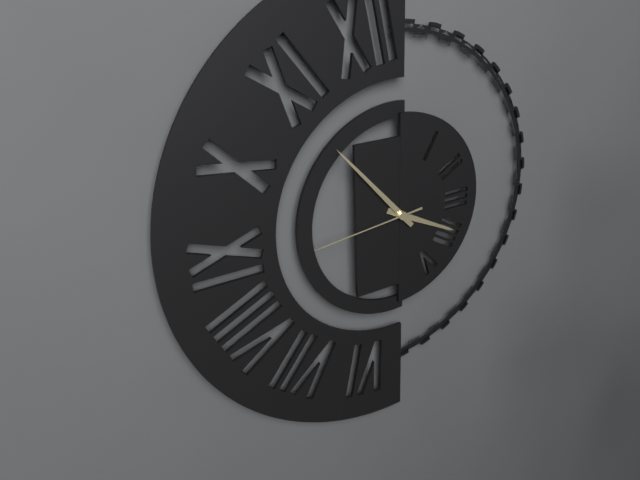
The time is 3:53:44
